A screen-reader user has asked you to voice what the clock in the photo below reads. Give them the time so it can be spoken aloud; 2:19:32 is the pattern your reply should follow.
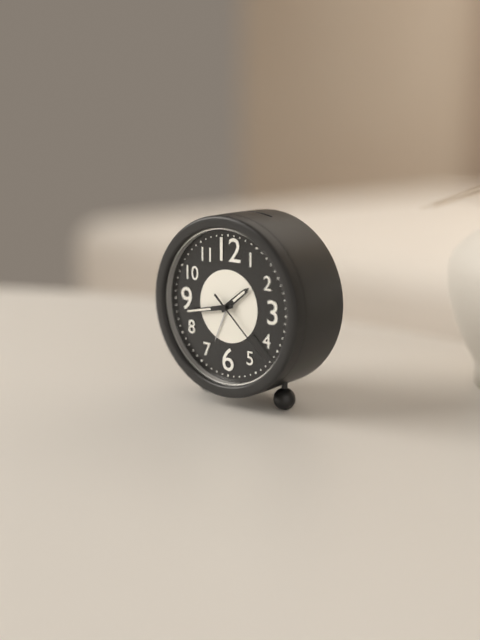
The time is 1:43:22
